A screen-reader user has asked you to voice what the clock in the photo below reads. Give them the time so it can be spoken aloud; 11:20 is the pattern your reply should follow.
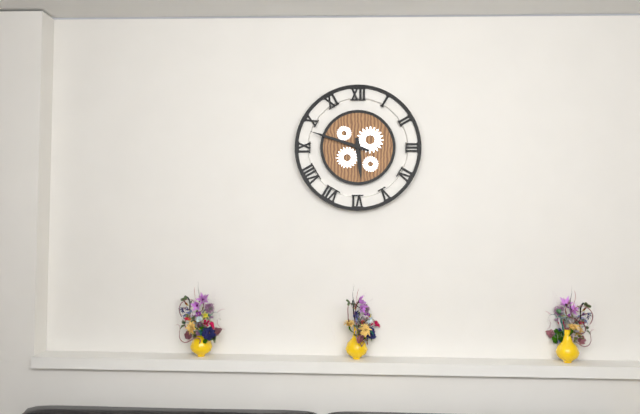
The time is 5:48
